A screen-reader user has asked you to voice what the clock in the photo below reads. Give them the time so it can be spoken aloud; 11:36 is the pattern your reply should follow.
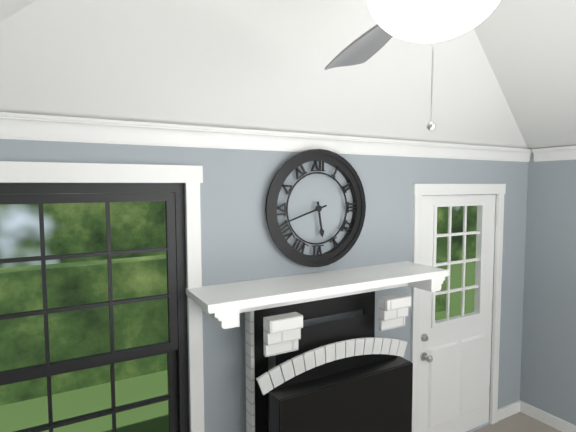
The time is 5:42
